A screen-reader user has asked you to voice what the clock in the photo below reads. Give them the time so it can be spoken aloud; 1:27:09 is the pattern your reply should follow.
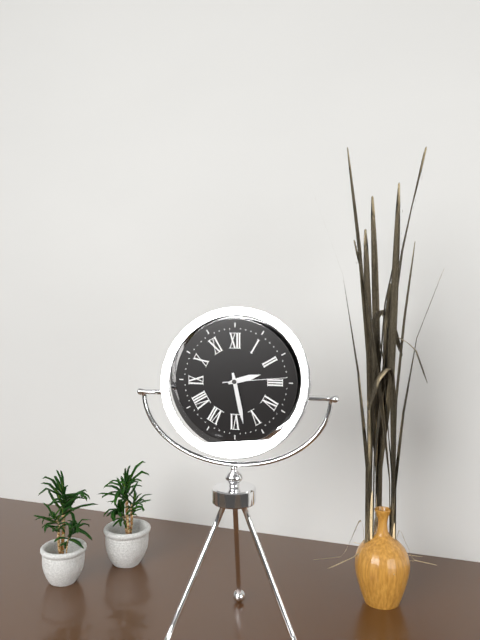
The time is 2:28:14
